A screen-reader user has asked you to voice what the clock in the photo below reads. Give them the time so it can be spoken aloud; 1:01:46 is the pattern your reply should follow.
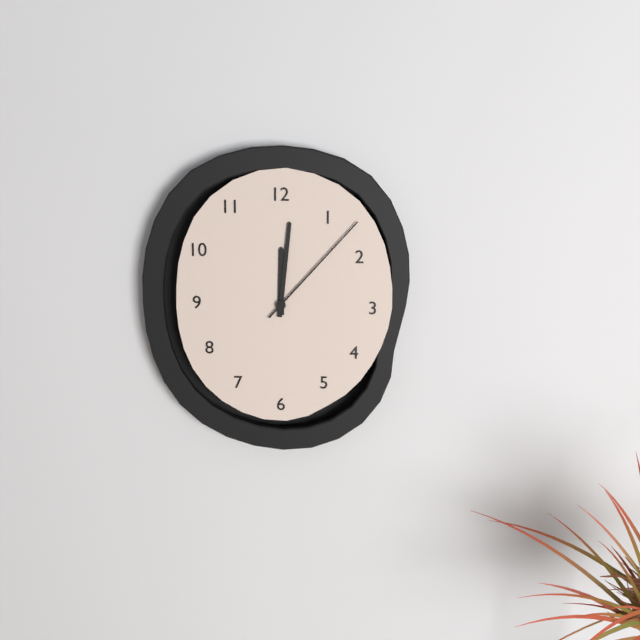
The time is 12:01:07
